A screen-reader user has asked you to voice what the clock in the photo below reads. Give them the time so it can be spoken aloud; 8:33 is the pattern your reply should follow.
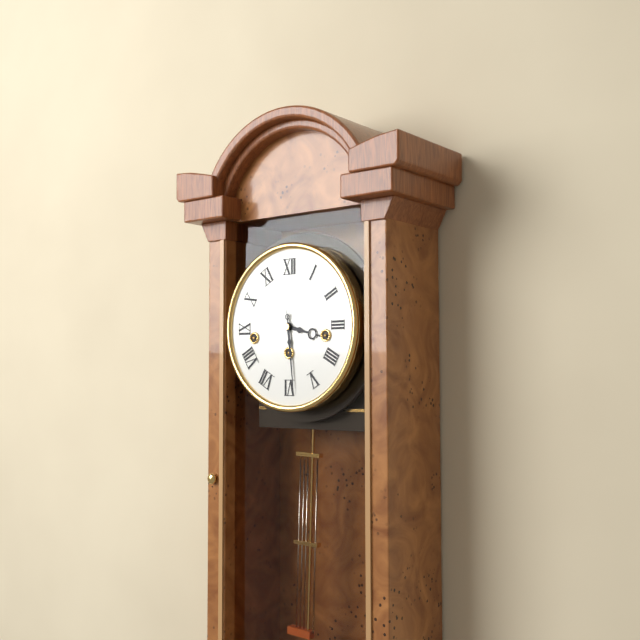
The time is 3:29
